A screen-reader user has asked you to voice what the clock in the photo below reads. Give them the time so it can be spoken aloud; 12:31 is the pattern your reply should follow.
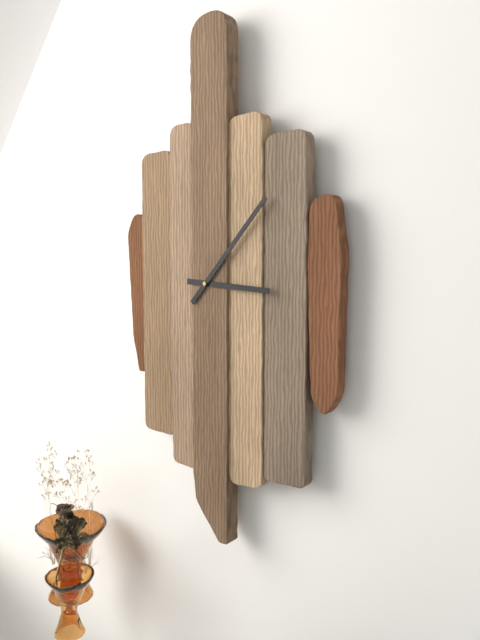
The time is 3:07
